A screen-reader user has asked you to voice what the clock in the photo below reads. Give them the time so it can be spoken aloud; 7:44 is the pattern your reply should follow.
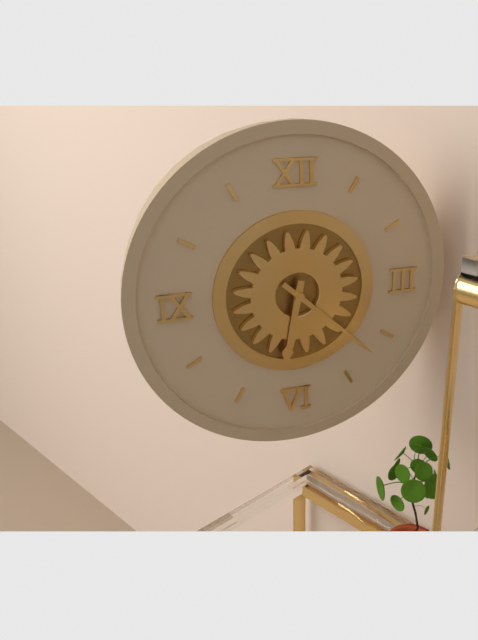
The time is 6:22
